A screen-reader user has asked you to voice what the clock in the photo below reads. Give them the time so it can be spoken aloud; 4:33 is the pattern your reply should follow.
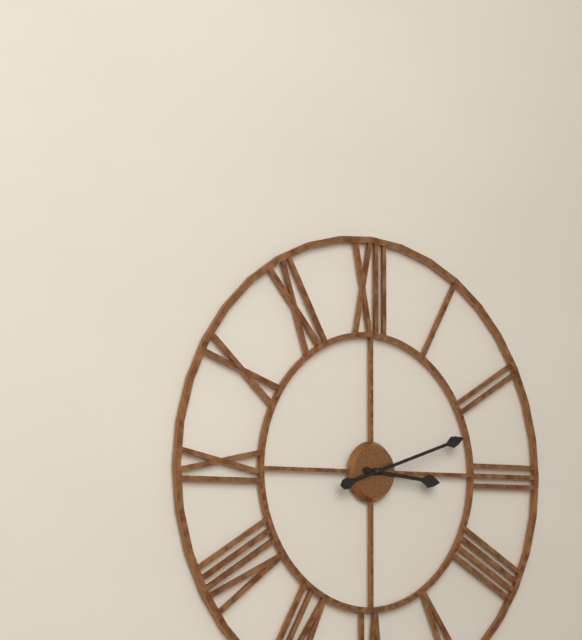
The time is 3:12
